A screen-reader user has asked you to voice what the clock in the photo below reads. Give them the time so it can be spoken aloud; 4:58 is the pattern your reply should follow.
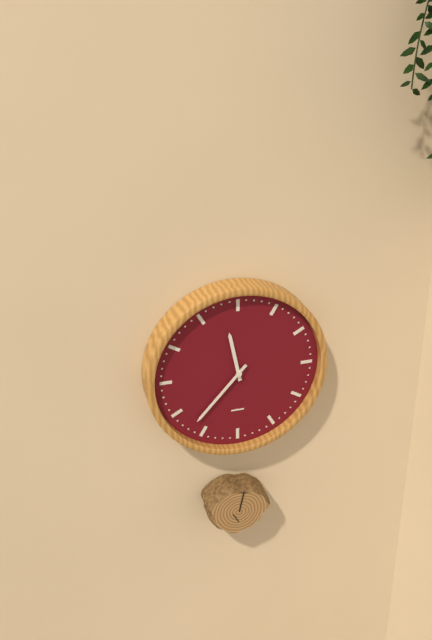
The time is 11:37
